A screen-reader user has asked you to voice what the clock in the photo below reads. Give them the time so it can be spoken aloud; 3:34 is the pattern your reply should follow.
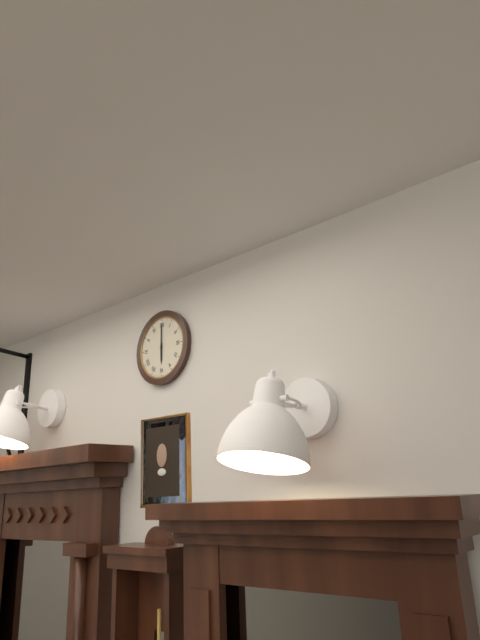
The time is 6:00
